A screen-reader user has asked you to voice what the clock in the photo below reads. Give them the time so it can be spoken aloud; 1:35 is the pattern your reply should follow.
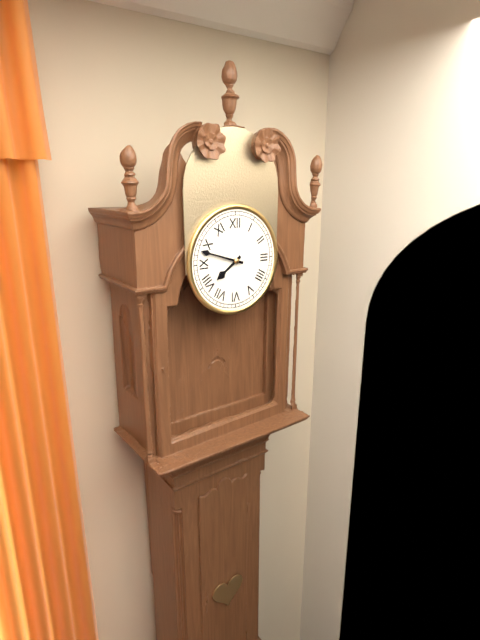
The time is 7:48
